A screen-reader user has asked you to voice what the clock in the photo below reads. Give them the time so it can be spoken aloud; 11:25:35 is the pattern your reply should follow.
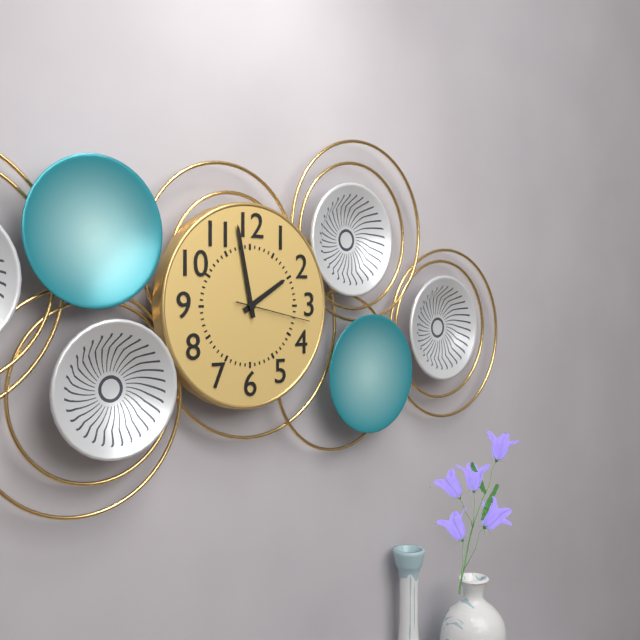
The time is 1:58:17
